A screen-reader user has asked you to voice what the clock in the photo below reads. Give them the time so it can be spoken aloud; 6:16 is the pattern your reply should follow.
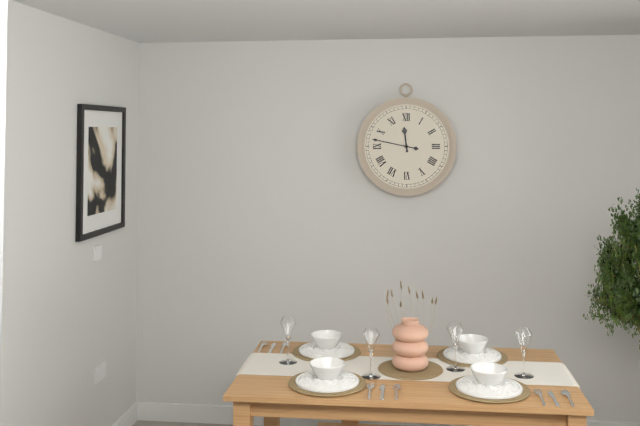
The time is 11:47
